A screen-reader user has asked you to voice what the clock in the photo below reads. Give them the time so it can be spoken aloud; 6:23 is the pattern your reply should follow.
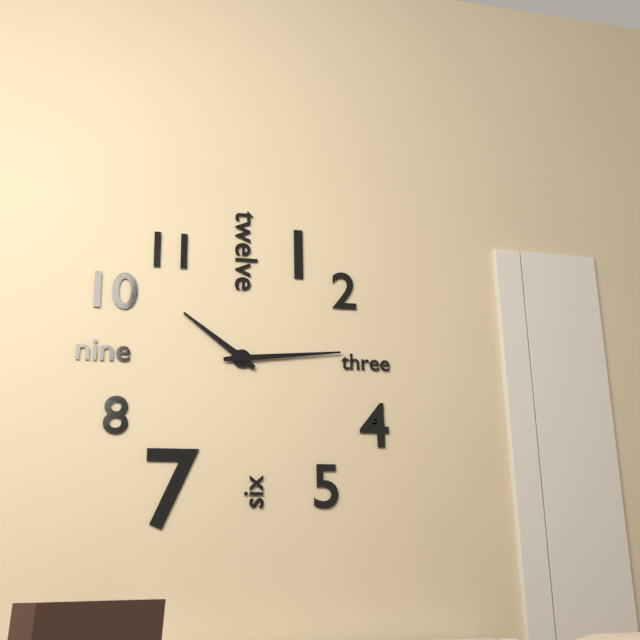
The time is 10:14
